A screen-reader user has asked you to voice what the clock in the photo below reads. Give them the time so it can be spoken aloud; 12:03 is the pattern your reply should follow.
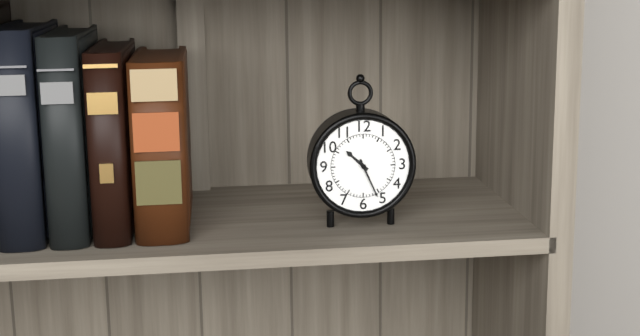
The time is 10:26
